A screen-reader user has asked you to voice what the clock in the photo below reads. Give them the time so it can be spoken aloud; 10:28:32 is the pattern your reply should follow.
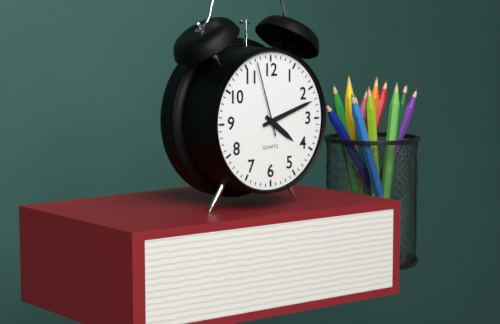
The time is 4:12:57
